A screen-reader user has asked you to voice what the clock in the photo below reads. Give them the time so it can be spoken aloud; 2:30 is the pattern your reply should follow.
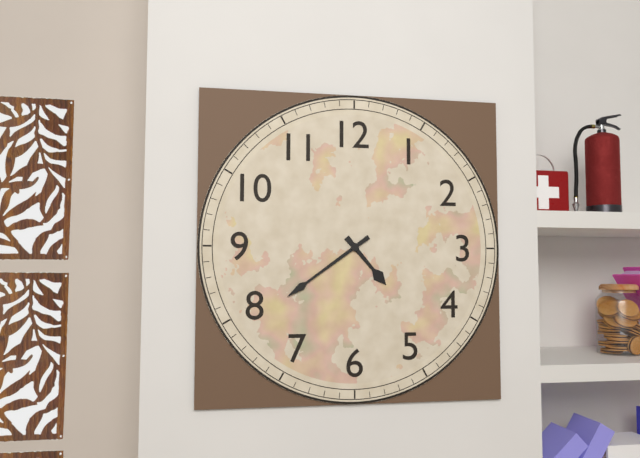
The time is 4:39
